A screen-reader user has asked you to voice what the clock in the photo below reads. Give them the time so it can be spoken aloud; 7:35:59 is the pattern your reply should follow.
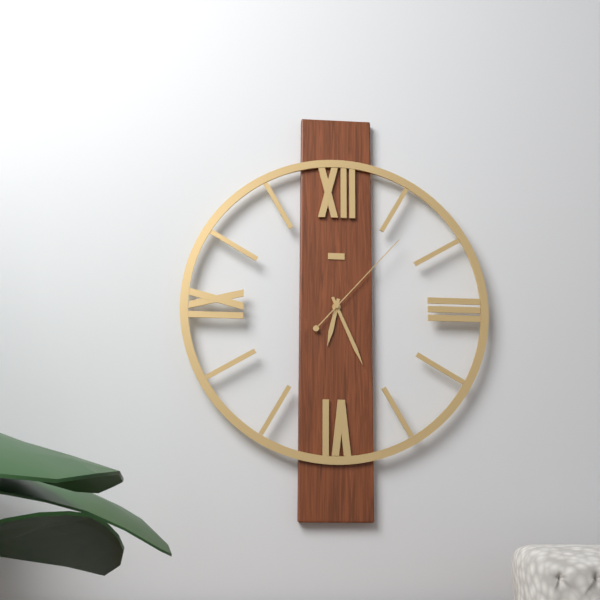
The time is 6:26:07
